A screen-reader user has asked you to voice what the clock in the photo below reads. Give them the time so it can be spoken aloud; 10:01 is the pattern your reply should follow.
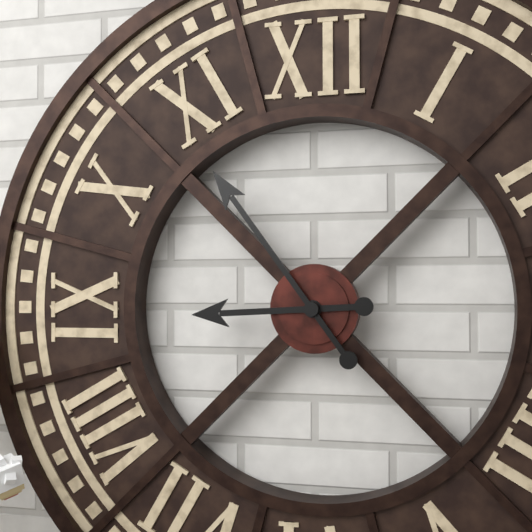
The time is 8:54
